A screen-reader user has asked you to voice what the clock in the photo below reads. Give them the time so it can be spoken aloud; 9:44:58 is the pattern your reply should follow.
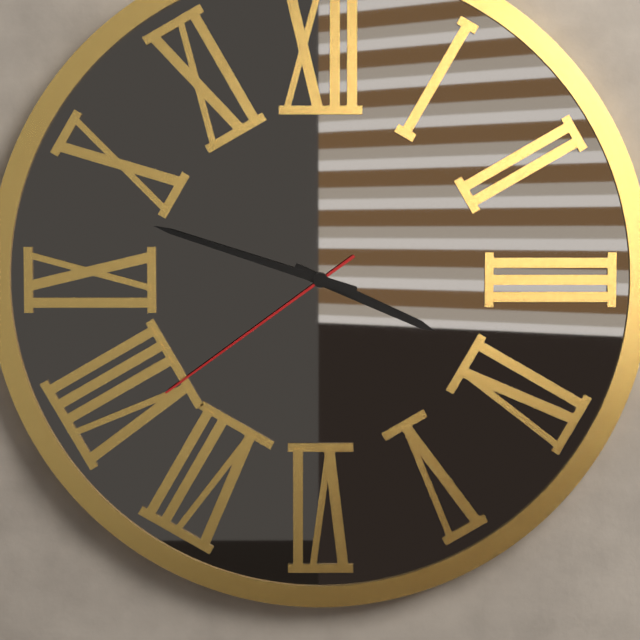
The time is 3:48:39
